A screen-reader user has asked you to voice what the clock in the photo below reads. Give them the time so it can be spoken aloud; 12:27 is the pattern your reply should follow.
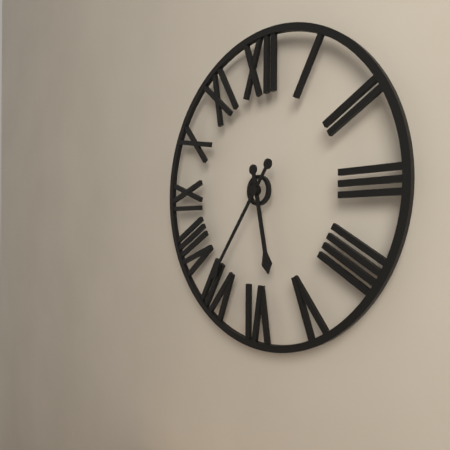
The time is 5:36
